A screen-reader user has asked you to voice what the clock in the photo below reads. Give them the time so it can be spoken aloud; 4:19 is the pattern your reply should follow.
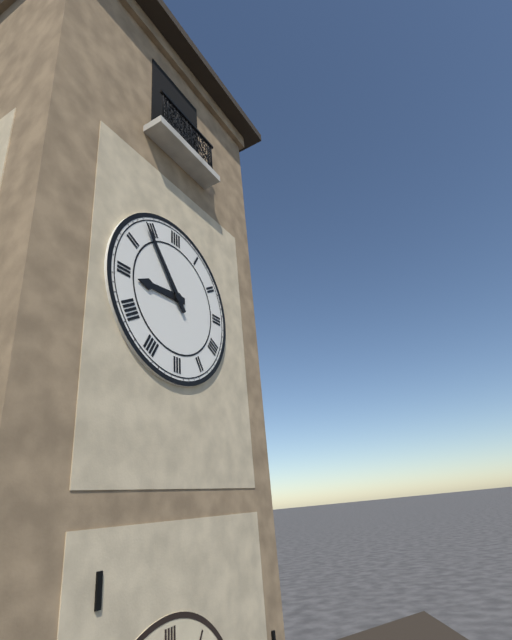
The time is 8:54
